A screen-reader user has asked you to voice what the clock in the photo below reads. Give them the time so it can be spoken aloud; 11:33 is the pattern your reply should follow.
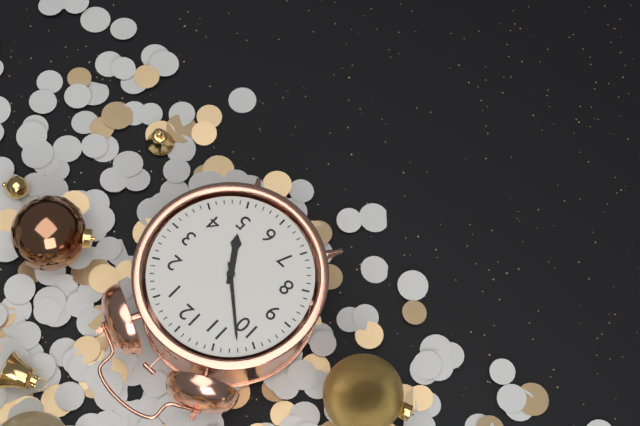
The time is 4:52
